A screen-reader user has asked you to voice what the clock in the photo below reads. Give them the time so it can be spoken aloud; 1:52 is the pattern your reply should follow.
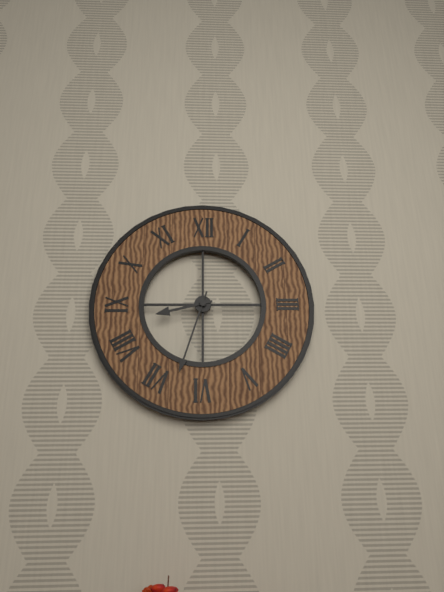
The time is 8:33
